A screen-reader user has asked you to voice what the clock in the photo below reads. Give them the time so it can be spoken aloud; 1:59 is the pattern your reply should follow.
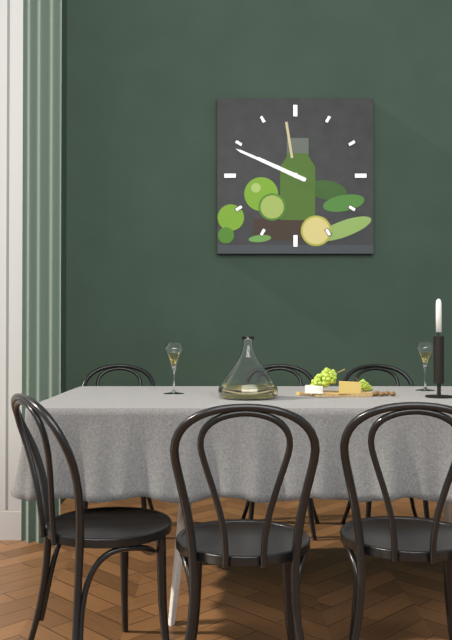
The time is 9:49
